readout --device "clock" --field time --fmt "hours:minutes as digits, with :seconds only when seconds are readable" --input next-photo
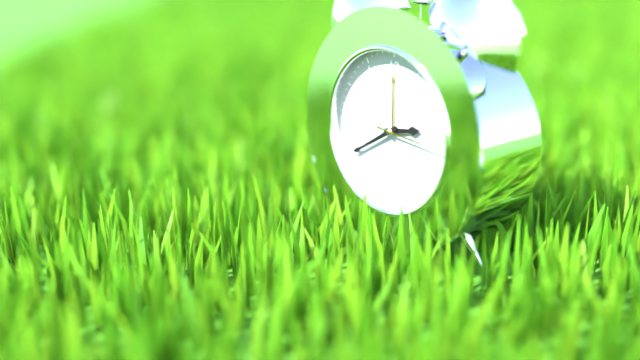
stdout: 2:40:16
